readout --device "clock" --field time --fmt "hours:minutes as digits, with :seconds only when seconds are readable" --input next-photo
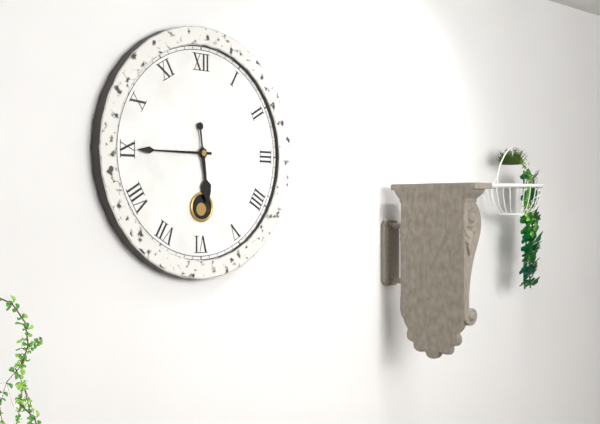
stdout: 5:45
